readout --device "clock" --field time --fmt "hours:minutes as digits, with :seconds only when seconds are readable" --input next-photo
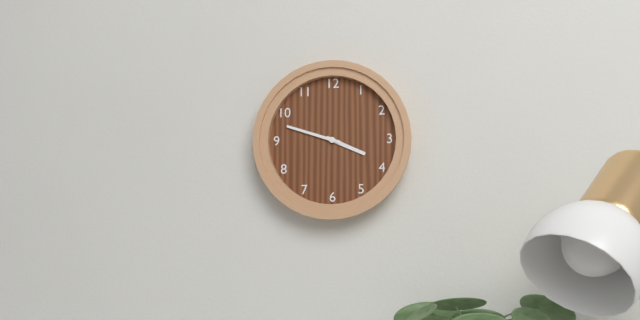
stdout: 3:48
